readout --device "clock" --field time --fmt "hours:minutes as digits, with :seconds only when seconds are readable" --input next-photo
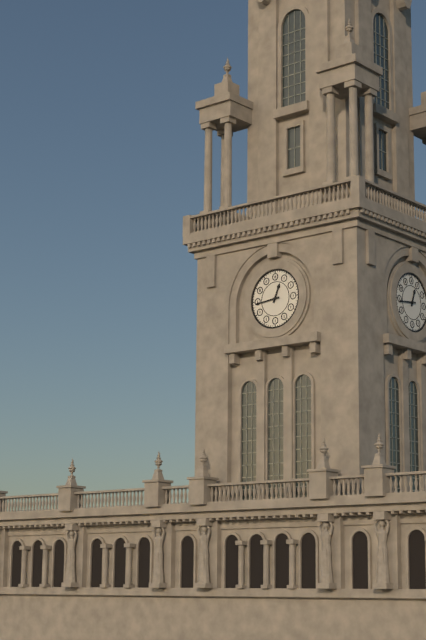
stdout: 12:44
